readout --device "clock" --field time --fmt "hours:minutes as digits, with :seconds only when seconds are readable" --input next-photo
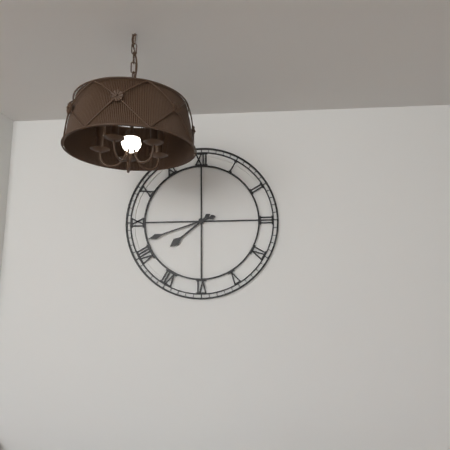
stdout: 7:42
